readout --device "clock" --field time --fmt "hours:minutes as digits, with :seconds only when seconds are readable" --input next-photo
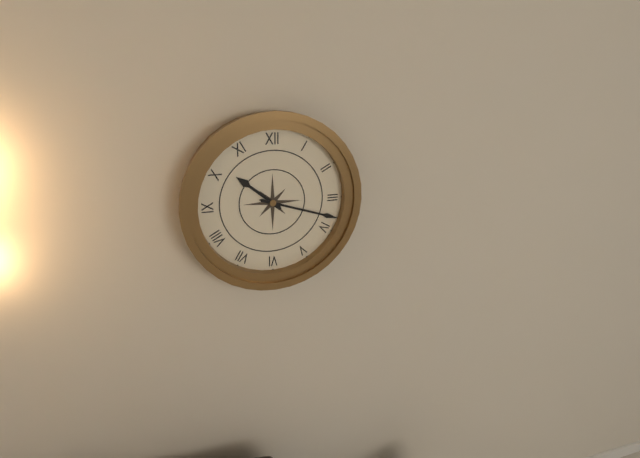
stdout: 10:18
